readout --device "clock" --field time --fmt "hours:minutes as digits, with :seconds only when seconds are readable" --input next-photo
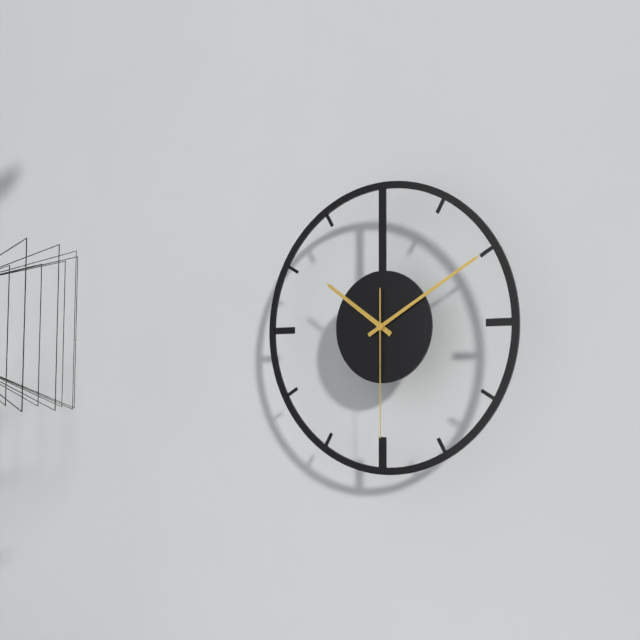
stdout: 10:10:30
